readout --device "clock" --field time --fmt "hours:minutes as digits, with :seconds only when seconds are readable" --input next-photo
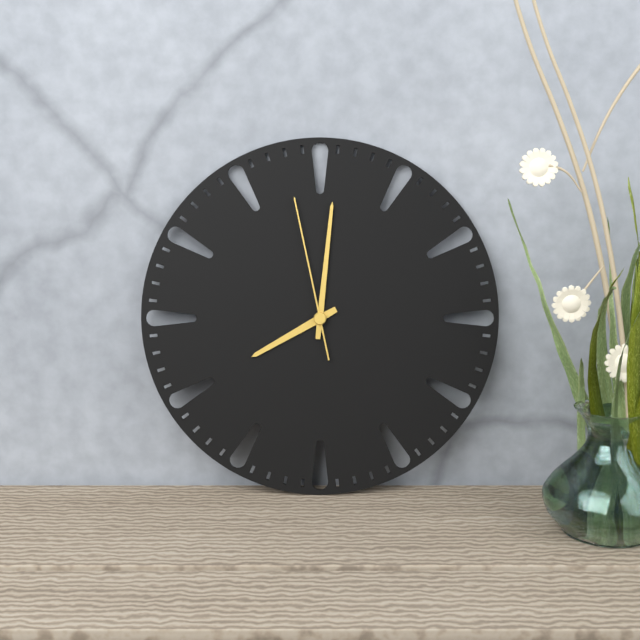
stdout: 8:01:58
